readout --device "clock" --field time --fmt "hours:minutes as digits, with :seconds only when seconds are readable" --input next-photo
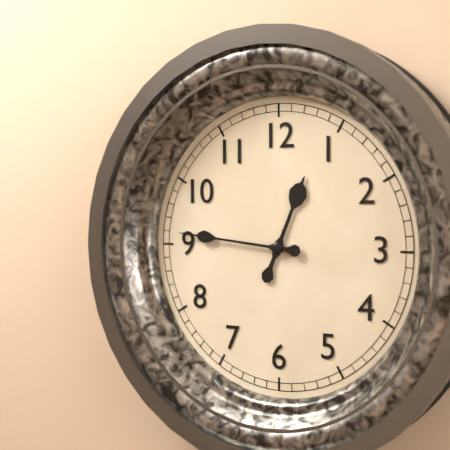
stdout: 12:46
